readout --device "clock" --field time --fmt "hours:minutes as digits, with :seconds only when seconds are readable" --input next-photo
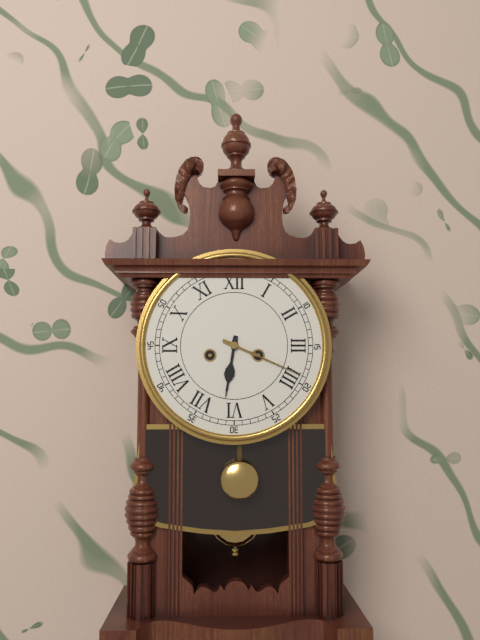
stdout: 6:19
